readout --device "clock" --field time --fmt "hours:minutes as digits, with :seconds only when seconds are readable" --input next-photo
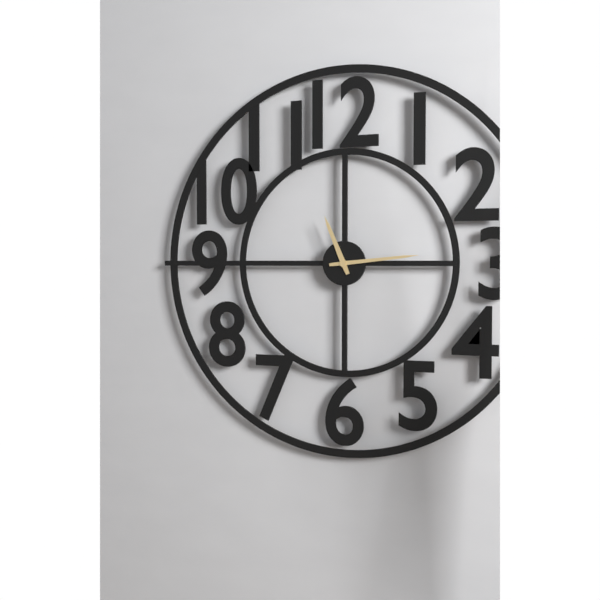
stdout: 11:14
